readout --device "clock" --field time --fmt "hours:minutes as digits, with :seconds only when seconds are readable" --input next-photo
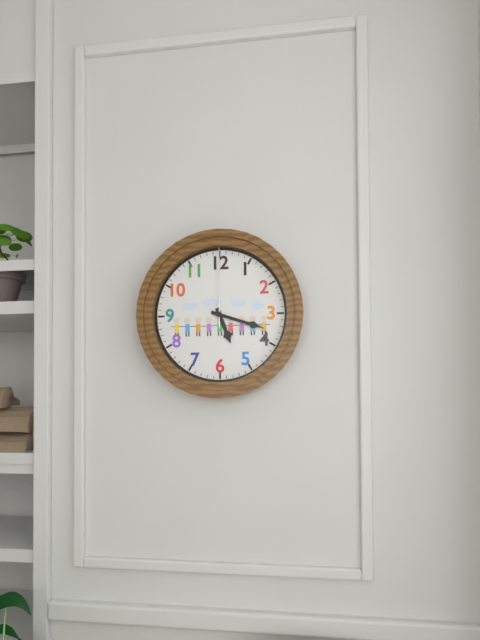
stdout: 5:18:00
